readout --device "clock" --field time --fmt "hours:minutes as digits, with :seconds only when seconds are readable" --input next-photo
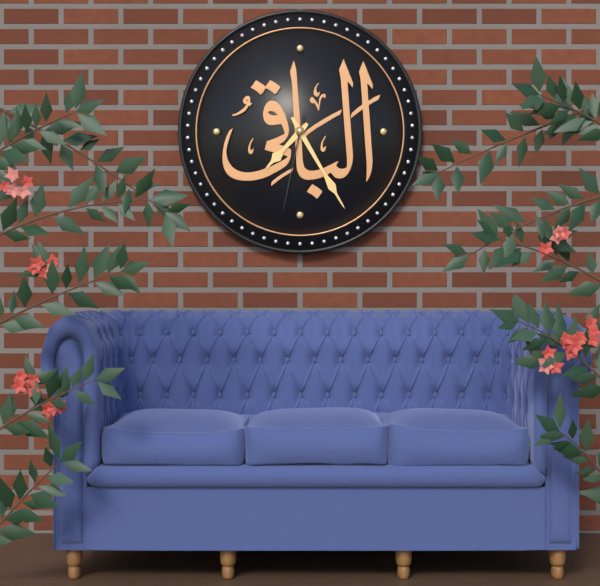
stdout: 7:25:32
